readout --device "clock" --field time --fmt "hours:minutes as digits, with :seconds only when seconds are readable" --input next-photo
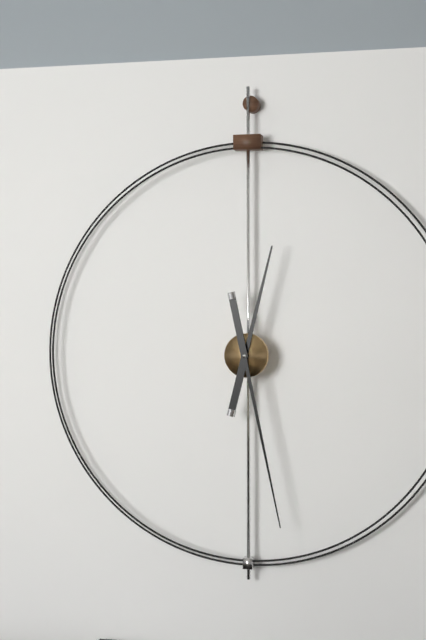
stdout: 12:28
